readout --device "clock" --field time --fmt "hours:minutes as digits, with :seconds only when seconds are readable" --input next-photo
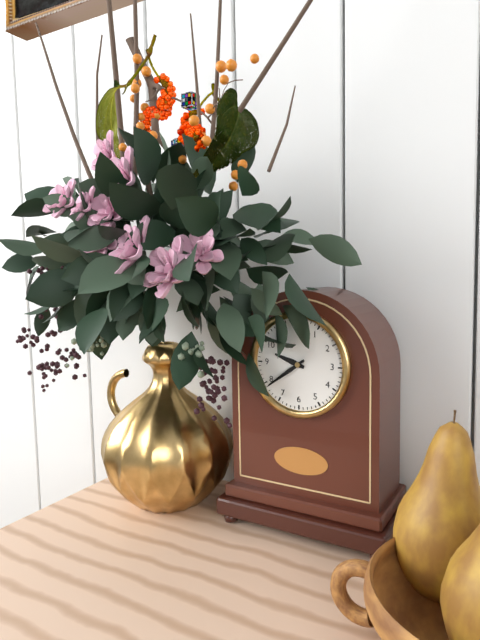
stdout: 9:39
